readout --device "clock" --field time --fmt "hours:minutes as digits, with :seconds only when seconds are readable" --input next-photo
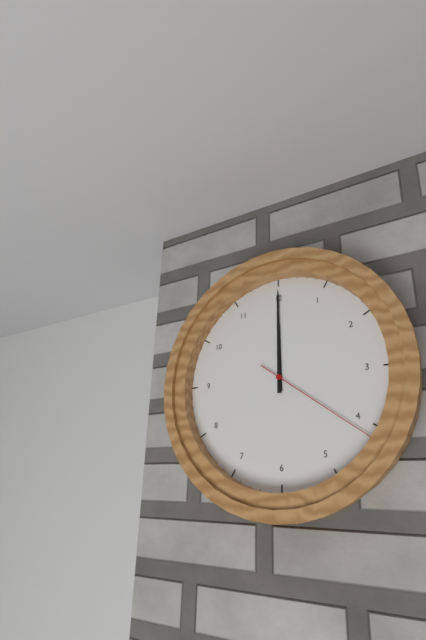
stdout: 12:00:21
